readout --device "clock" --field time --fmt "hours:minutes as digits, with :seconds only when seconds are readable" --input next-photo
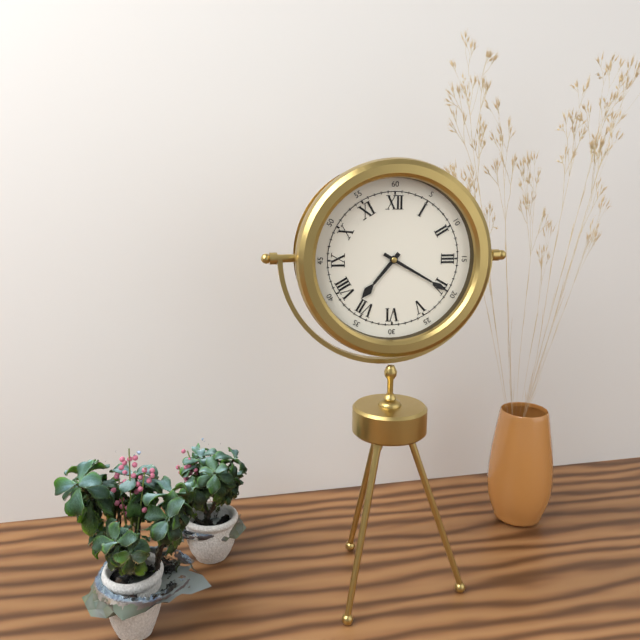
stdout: 7:20
